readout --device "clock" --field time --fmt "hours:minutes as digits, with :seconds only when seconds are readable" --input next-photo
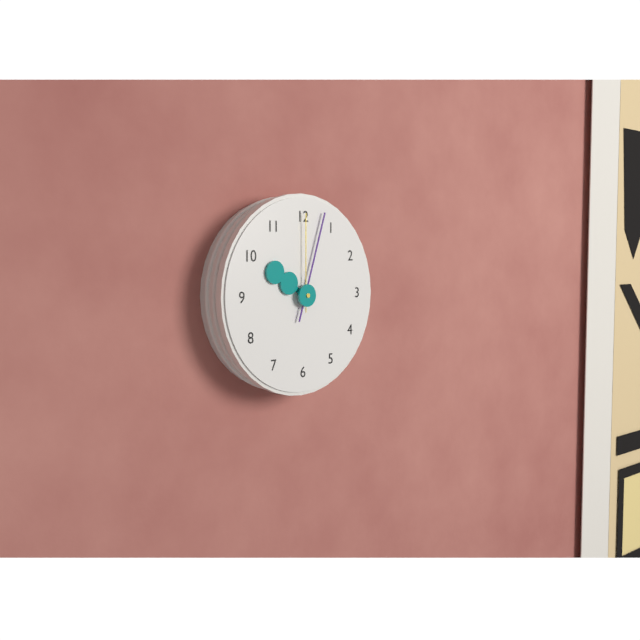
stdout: 10:03:00
